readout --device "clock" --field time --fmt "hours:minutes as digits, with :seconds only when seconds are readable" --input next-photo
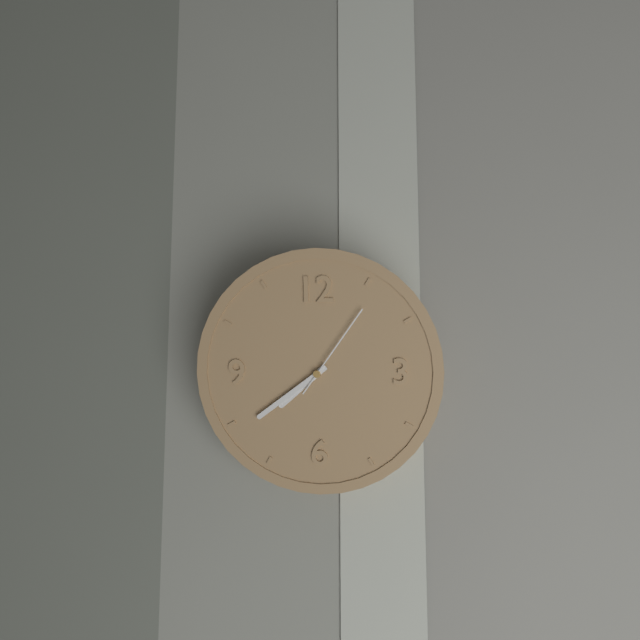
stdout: 7:39:06
